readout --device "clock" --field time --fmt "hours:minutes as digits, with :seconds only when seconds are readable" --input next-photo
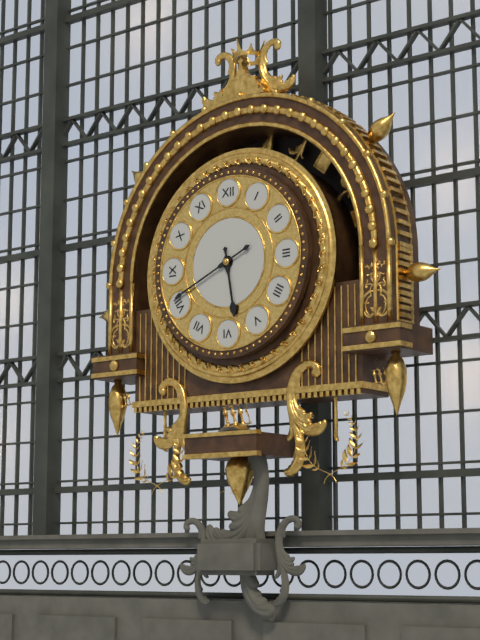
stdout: 5:41
